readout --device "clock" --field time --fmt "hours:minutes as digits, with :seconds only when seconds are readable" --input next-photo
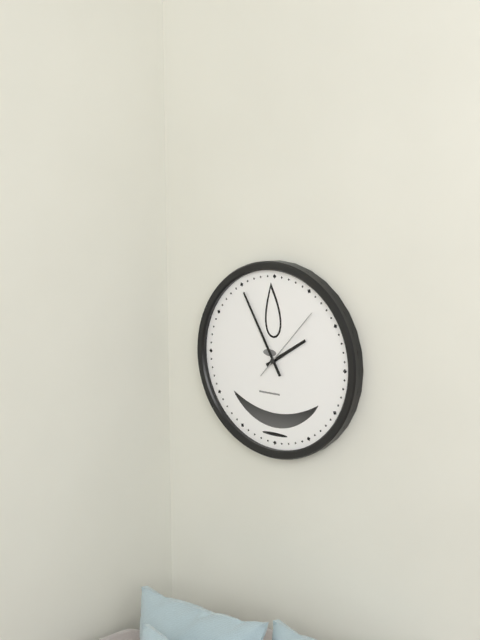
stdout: 1:55:07
